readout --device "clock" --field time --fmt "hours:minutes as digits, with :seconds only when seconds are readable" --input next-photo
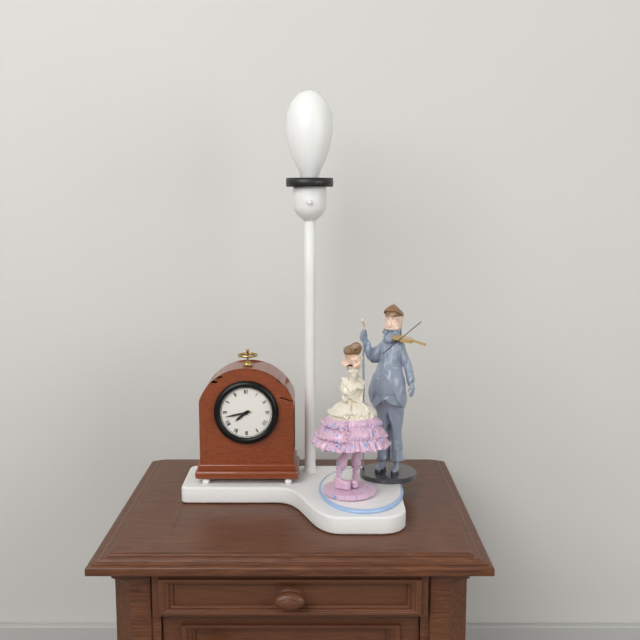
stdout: 7:43
